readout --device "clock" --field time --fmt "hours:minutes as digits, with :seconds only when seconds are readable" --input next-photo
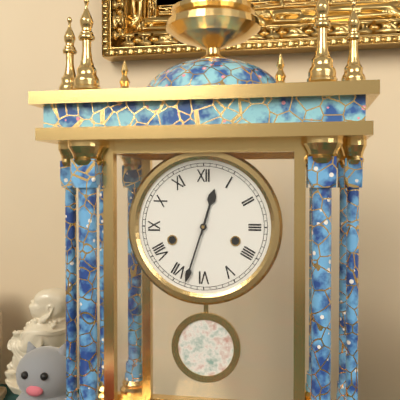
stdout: 12:33
